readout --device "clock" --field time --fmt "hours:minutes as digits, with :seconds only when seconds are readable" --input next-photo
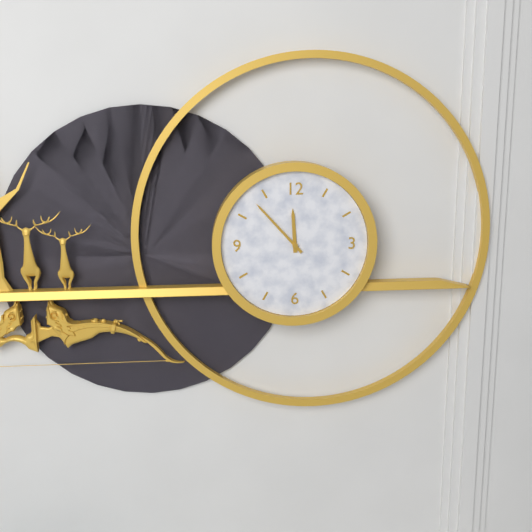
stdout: 11:53
